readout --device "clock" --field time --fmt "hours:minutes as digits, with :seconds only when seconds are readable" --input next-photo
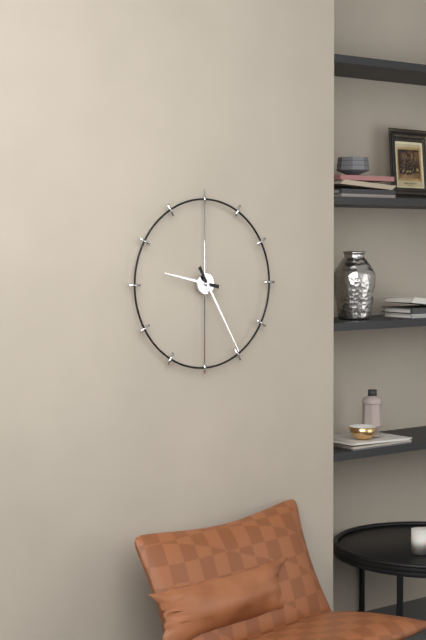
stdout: 9:25
